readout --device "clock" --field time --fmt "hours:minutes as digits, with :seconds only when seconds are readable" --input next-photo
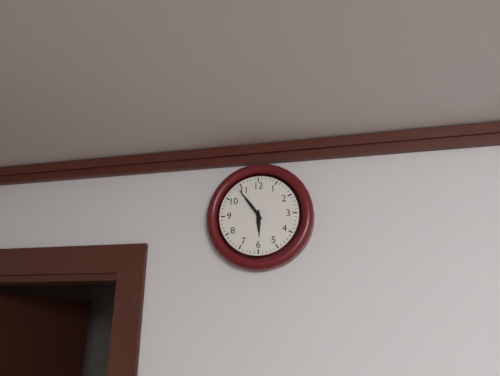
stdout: 5:54
